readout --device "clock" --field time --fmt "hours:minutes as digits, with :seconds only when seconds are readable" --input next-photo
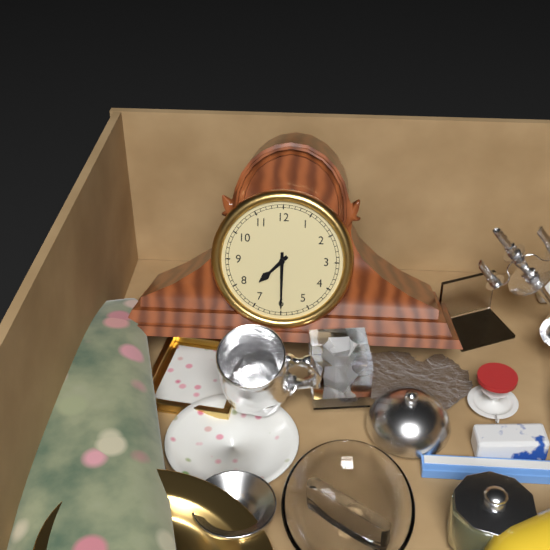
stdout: 7:30
